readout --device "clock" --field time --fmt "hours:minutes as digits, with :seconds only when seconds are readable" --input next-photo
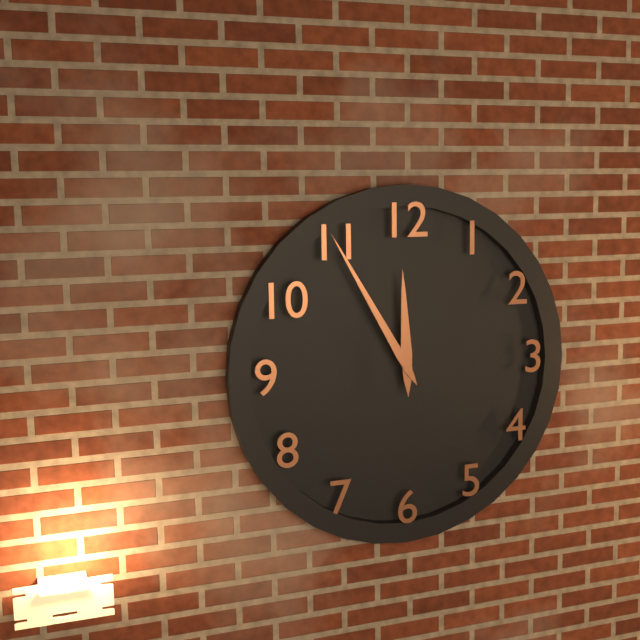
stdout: 11:55
